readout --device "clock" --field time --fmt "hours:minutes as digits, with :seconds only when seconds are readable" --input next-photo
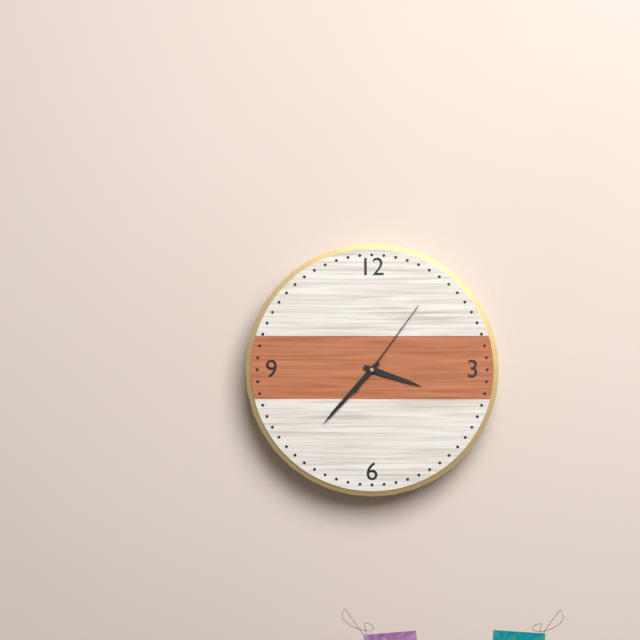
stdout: 3:37:06
